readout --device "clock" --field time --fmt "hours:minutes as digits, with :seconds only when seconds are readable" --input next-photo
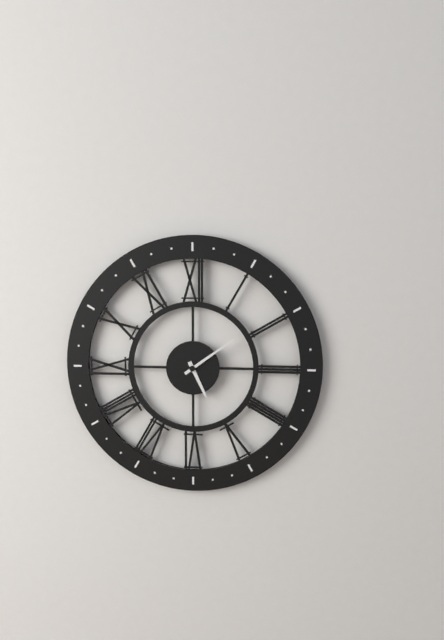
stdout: 5:09
